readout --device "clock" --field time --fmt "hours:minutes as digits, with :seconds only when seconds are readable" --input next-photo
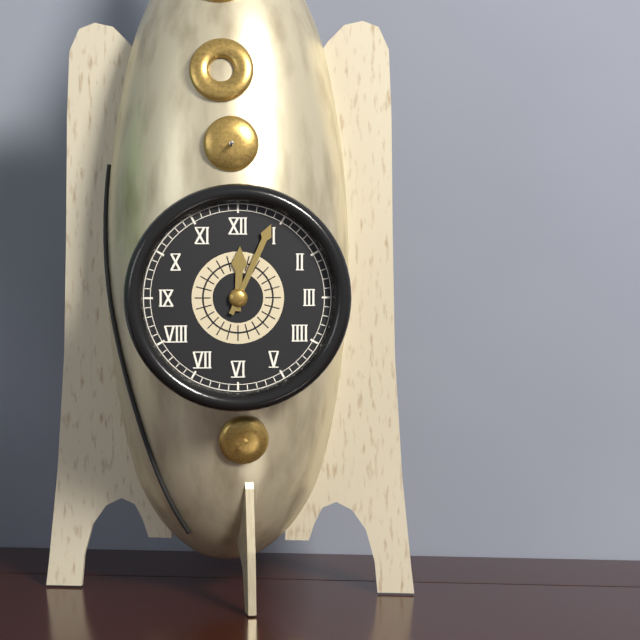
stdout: 12:04
